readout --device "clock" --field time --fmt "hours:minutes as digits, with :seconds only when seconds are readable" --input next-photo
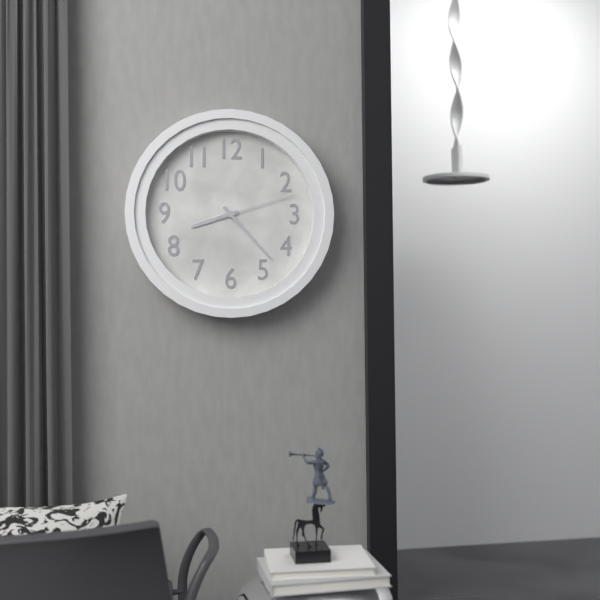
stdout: 8:23:12
